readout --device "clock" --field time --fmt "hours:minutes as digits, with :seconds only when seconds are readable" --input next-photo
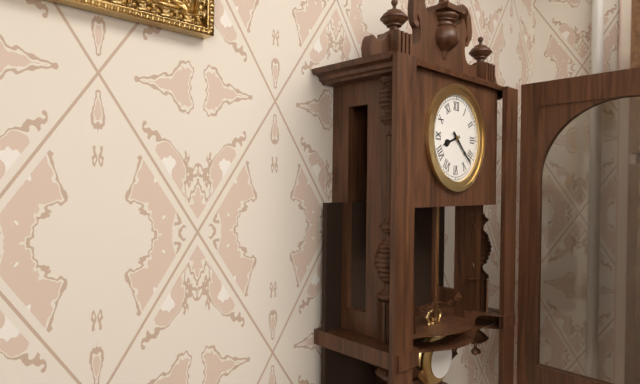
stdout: 8:22
